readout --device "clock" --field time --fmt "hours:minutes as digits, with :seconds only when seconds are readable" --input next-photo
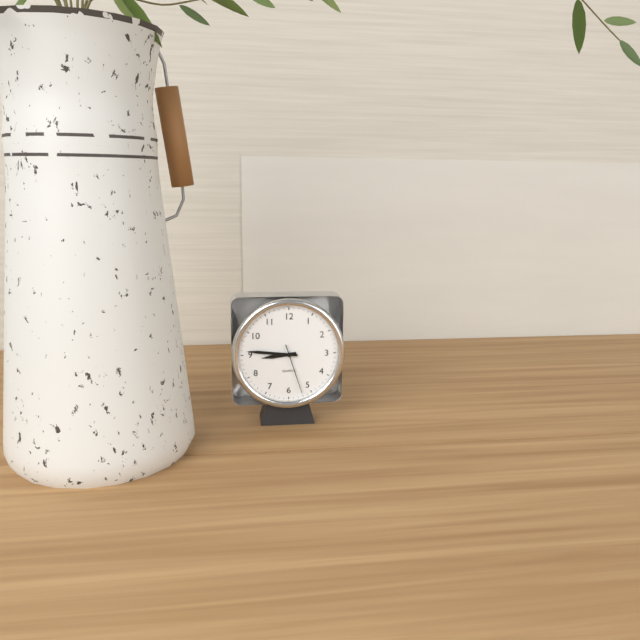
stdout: 8:46:27
